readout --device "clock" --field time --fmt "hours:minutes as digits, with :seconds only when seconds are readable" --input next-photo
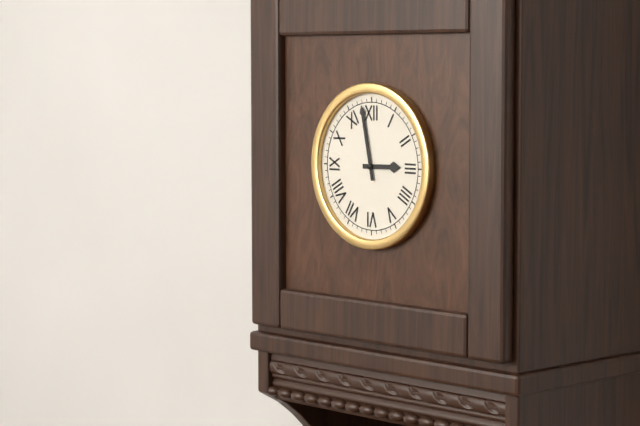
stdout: 2:58
